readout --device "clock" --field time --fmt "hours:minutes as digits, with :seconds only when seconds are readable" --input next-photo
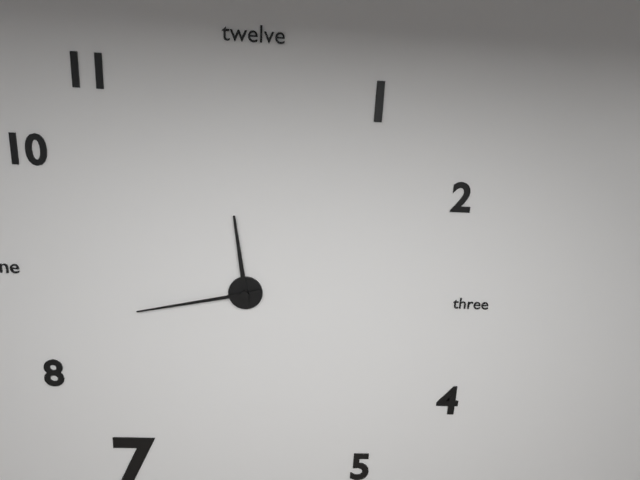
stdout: 11:43
